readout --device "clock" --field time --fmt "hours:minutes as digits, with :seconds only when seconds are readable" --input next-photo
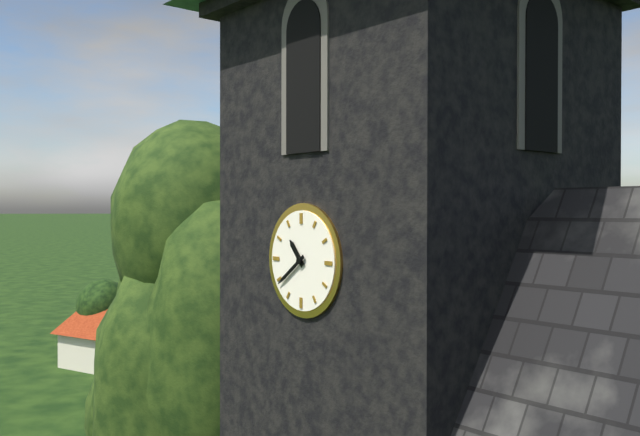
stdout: 10:39
